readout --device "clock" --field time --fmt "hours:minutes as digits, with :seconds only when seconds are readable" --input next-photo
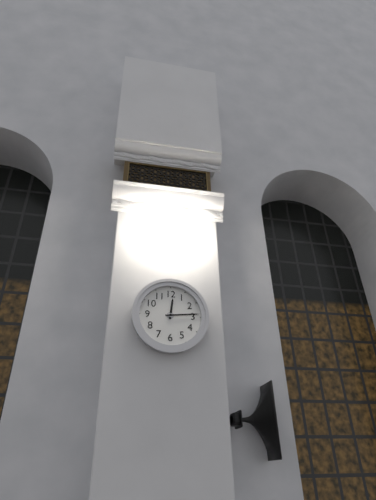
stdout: 12:14
